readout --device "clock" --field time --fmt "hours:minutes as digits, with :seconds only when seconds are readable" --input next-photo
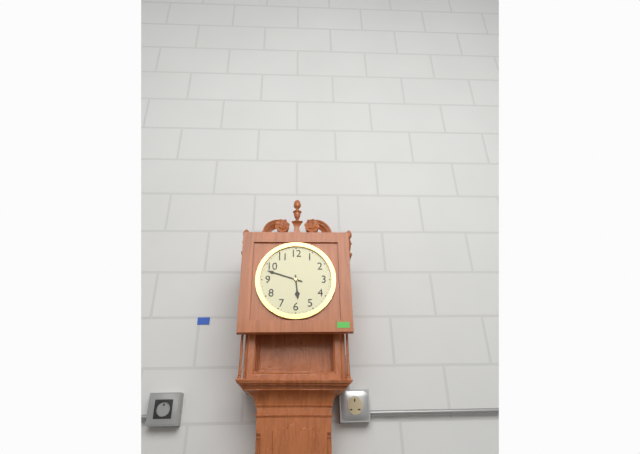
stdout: 5:48
